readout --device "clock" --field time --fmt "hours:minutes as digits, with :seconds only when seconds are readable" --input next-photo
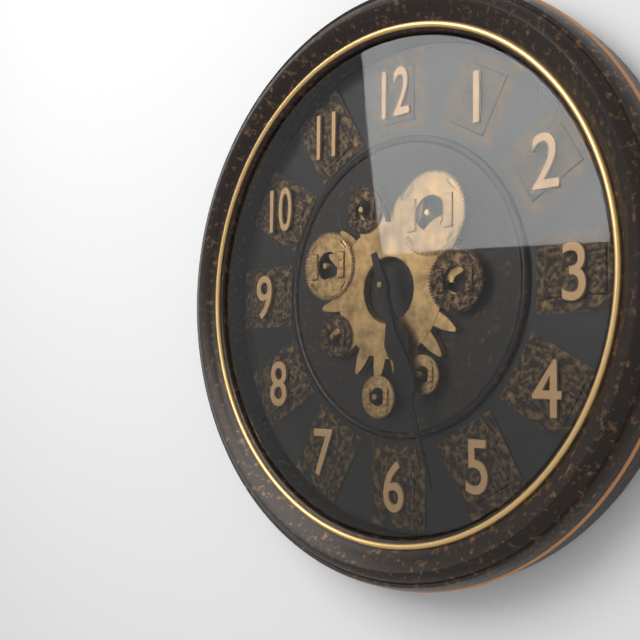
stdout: 5:27
